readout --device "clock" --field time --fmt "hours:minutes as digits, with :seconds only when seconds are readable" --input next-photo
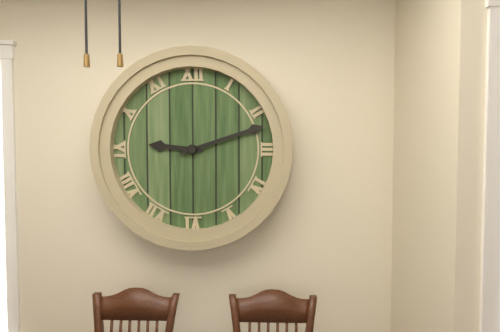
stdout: 9:12
